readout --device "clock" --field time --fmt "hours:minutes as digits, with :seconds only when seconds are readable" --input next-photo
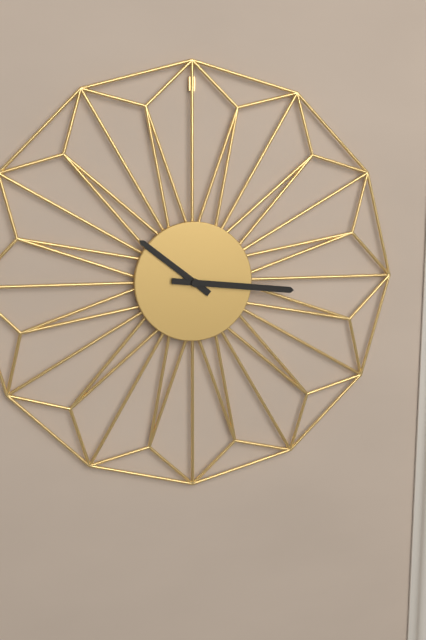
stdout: 10:16
